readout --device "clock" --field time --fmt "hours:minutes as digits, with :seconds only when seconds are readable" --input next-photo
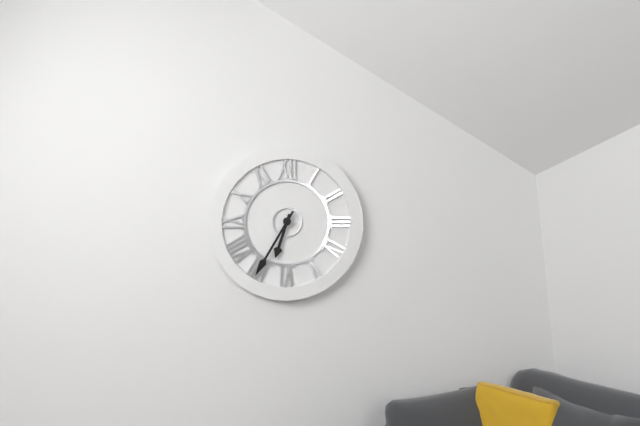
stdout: 6:35
